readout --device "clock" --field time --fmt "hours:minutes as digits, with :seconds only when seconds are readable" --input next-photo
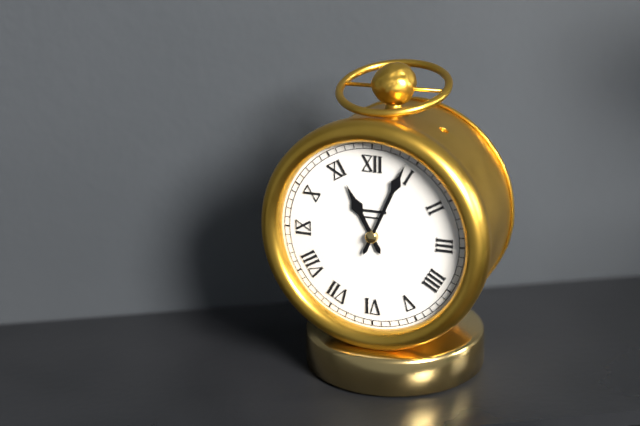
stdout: 11:04
